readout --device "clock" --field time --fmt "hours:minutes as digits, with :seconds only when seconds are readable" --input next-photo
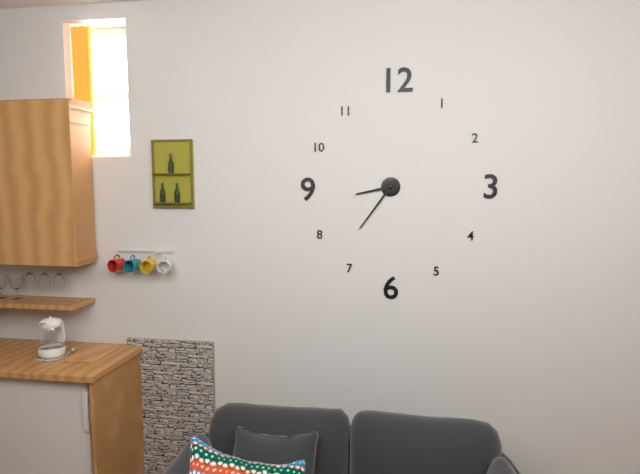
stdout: 8:36
